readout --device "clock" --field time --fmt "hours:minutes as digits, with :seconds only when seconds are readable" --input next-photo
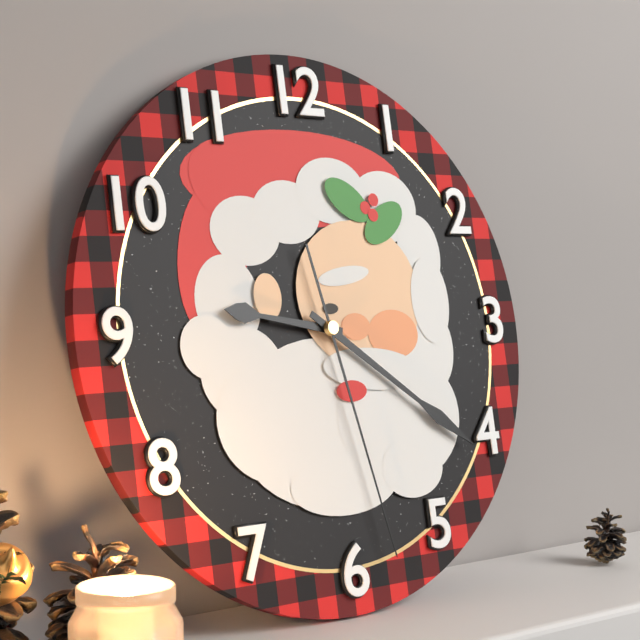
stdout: 9:21:28
